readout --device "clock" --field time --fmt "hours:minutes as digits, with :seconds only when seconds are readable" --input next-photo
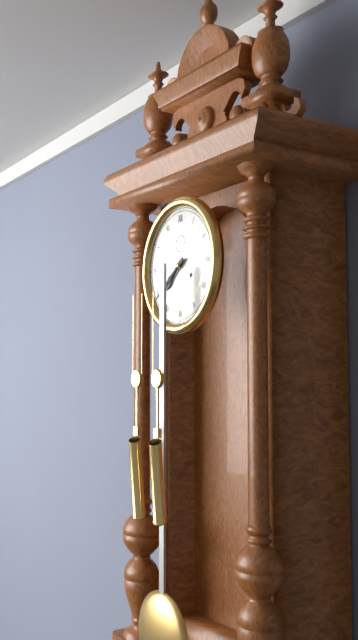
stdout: 7:39
